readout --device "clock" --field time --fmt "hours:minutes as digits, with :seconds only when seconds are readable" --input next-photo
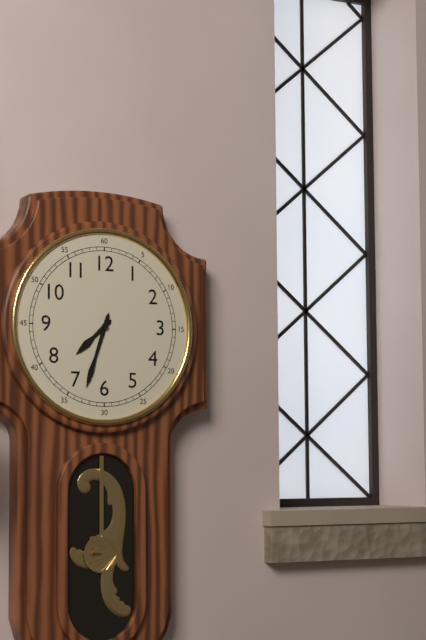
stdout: 7:33
